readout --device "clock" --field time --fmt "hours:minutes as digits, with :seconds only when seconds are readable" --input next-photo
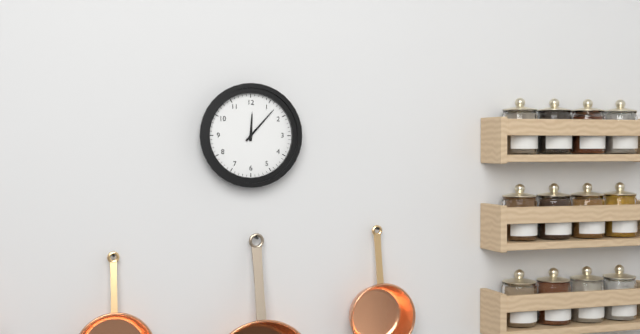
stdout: 12:07
